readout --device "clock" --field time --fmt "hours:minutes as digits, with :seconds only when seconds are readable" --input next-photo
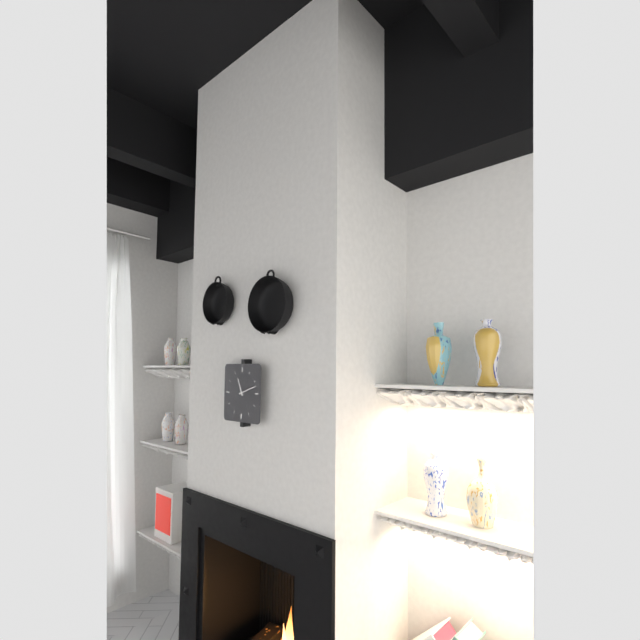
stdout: 11:12
